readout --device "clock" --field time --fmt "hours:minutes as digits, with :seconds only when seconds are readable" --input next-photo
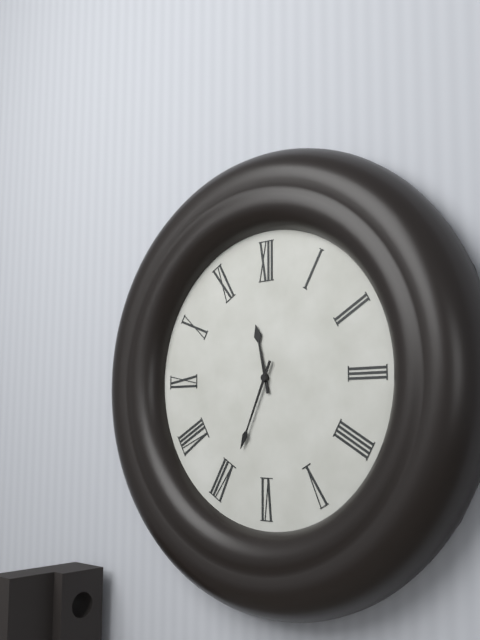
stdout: 11:34
